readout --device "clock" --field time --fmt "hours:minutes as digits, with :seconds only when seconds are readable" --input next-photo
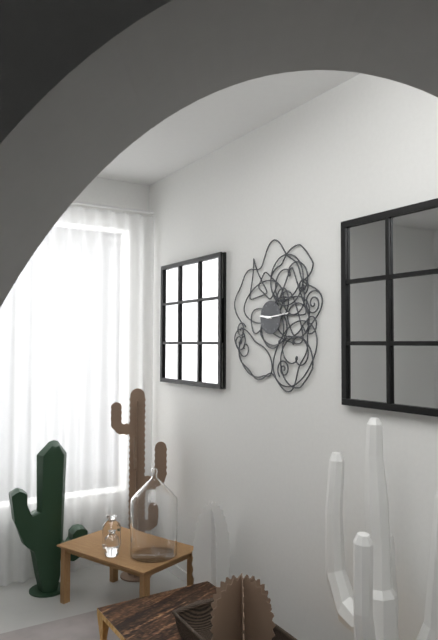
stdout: 9:14
